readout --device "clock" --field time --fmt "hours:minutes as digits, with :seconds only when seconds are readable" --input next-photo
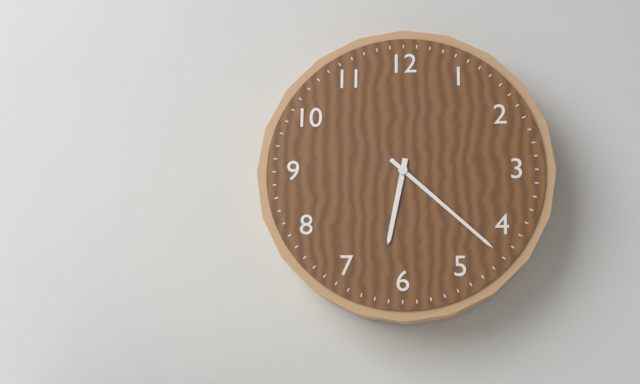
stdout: 6:22
